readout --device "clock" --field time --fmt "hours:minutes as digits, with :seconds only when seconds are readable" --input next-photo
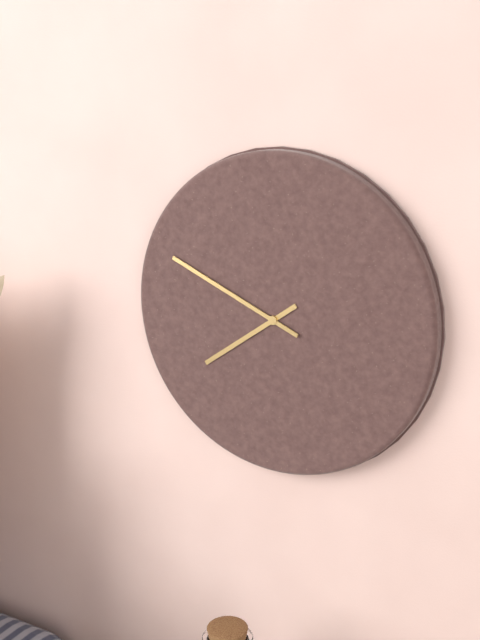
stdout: 7:49
